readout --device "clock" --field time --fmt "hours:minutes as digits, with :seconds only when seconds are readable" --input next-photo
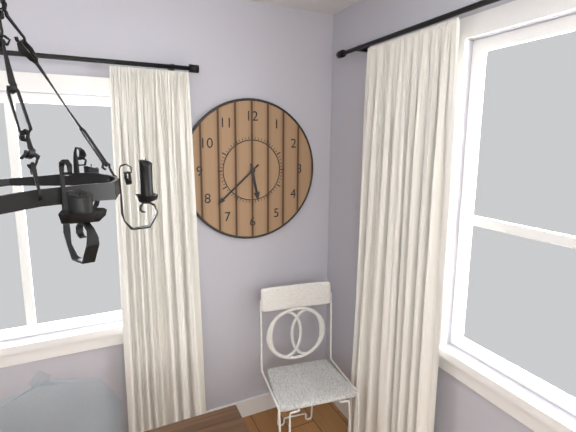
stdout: 5:38
